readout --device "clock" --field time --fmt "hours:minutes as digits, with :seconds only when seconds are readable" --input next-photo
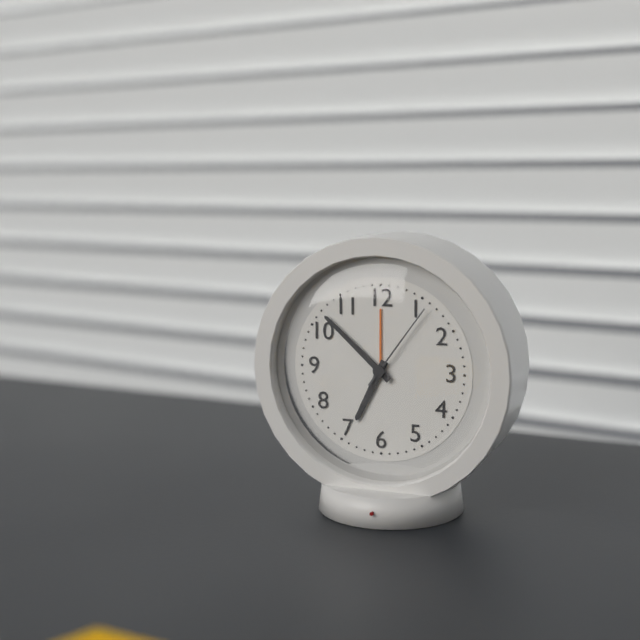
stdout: 6:52:06
